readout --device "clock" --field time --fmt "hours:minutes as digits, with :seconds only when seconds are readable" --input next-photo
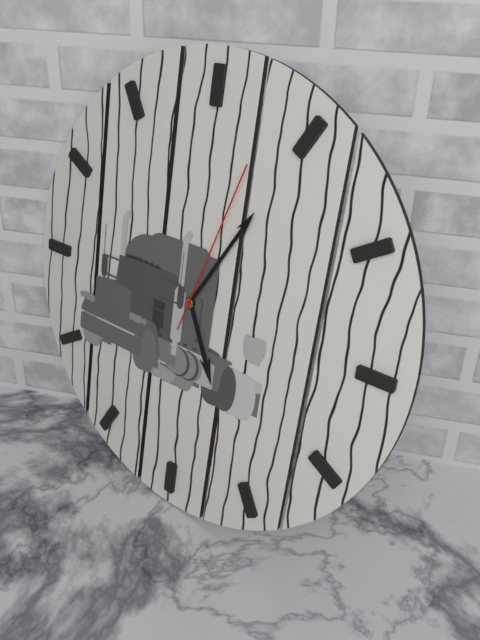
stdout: 5:05:03
